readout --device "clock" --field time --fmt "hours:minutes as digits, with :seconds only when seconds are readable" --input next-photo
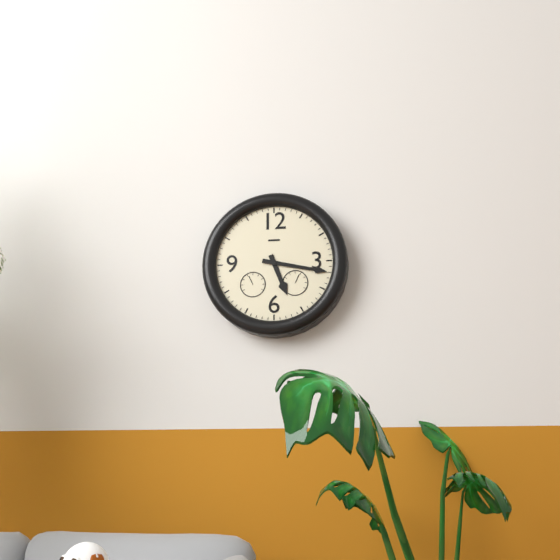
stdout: 5:17
